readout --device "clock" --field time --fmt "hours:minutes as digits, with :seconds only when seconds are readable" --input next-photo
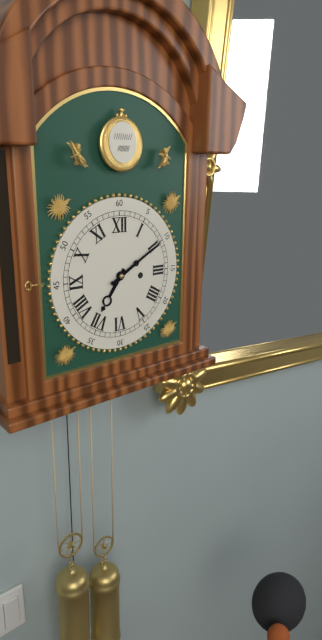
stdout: 7:10
